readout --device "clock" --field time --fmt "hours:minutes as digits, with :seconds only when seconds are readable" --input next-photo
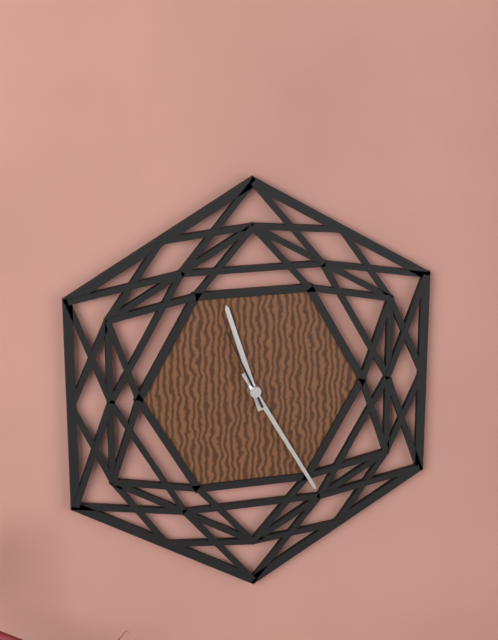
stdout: 11:25:56
